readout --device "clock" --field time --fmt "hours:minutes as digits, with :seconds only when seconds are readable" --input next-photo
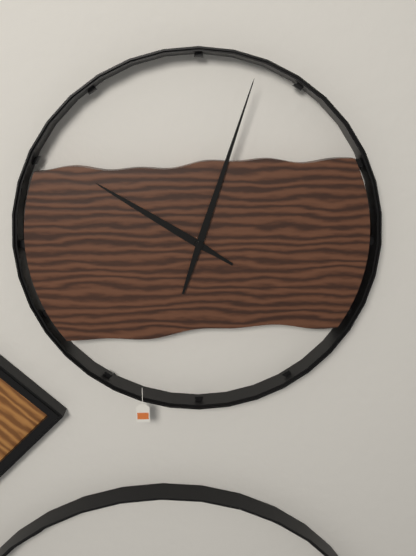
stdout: 10:03
